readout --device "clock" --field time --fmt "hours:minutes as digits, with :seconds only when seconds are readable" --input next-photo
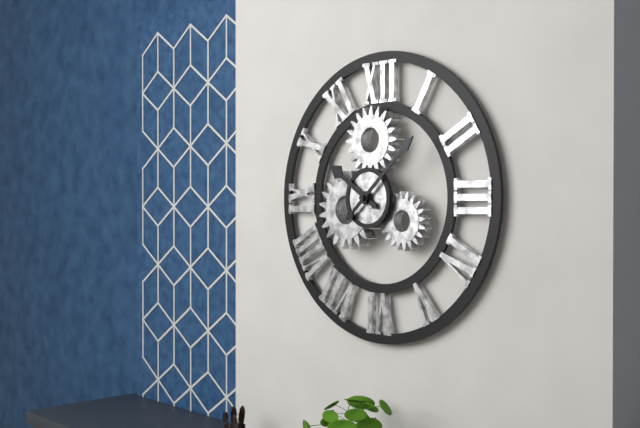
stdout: 10:08
